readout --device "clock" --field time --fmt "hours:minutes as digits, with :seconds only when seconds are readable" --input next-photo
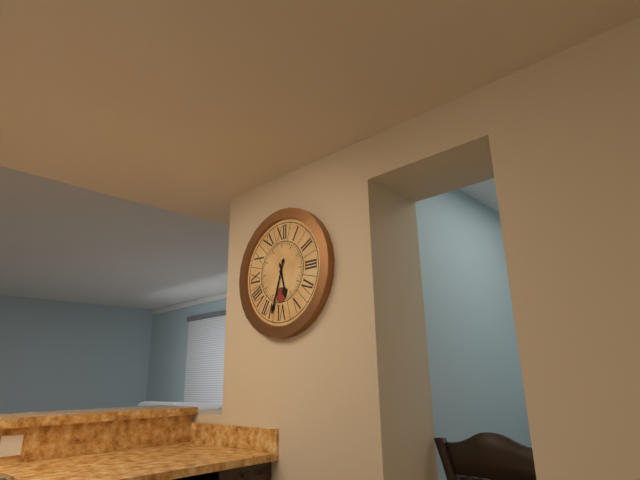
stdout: 5:33
